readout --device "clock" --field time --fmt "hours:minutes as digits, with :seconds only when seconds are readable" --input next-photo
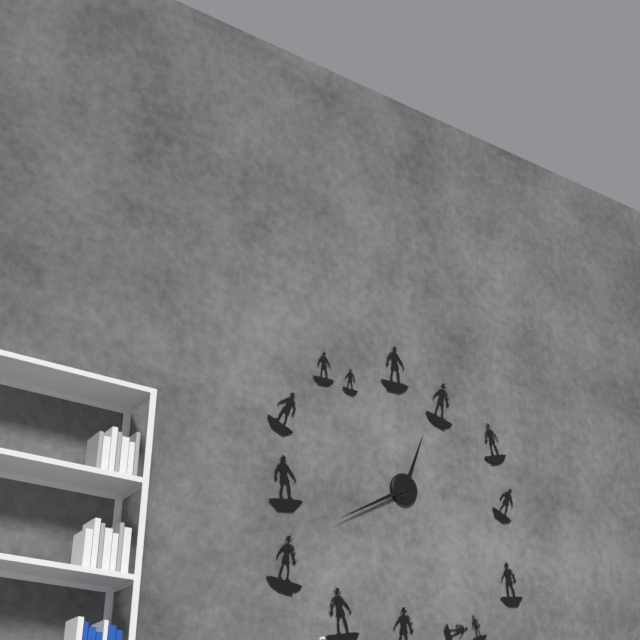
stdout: 12:40
